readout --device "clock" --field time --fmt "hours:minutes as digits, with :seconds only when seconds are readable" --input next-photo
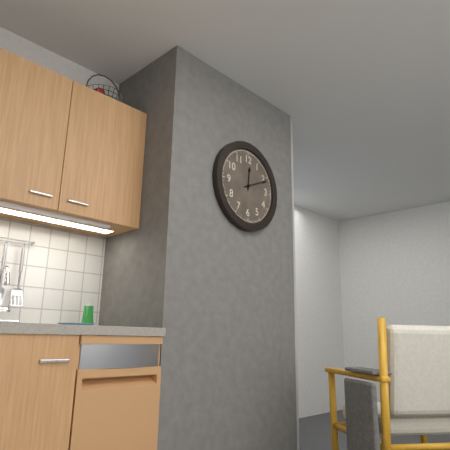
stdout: 12:11
